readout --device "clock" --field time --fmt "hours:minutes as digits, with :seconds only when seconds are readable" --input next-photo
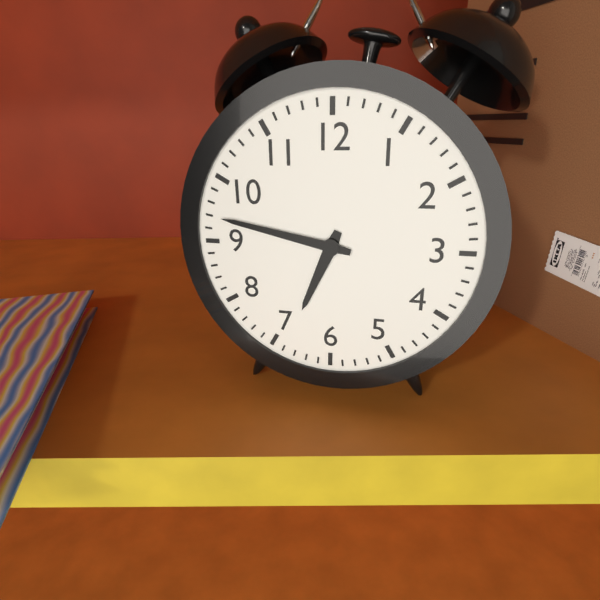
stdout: 6:47
